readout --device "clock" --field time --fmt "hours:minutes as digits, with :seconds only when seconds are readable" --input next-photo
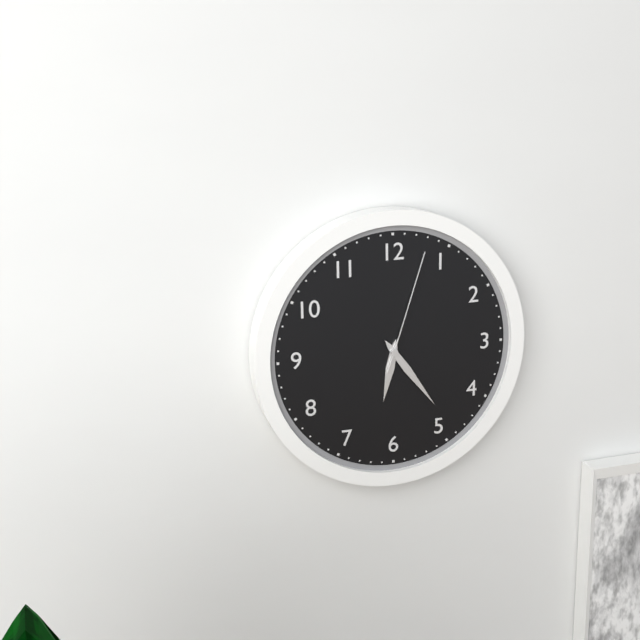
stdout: 6:24:03
